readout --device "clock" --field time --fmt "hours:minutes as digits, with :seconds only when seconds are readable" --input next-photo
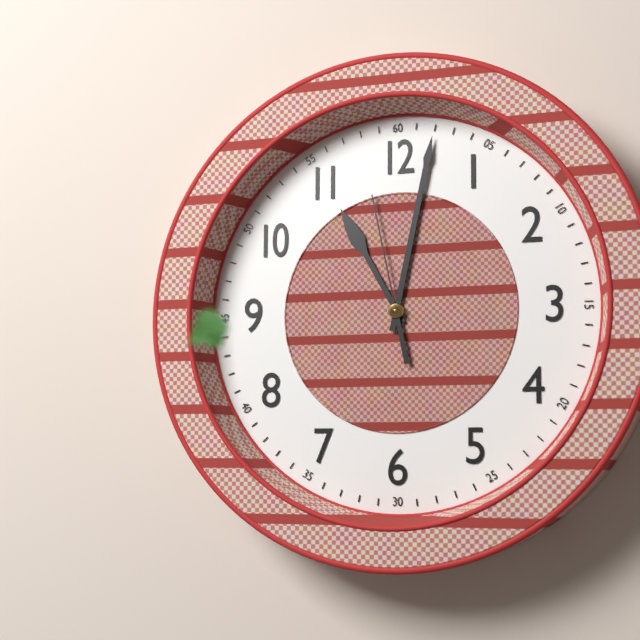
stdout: 11:02:58
